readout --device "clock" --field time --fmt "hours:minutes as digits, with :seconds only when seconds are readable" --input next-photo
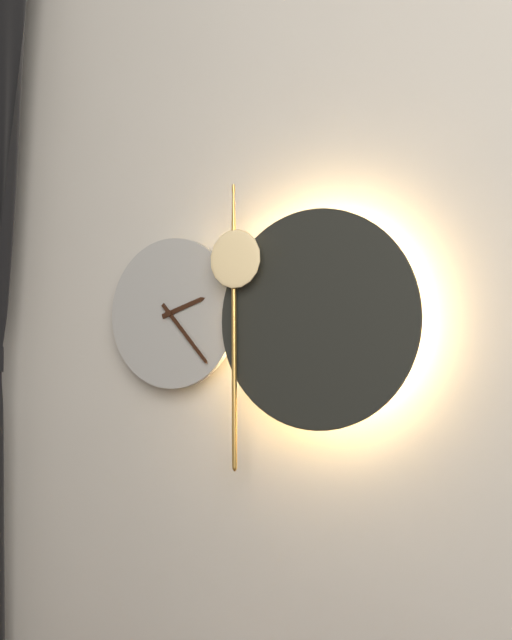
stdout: 2:23
